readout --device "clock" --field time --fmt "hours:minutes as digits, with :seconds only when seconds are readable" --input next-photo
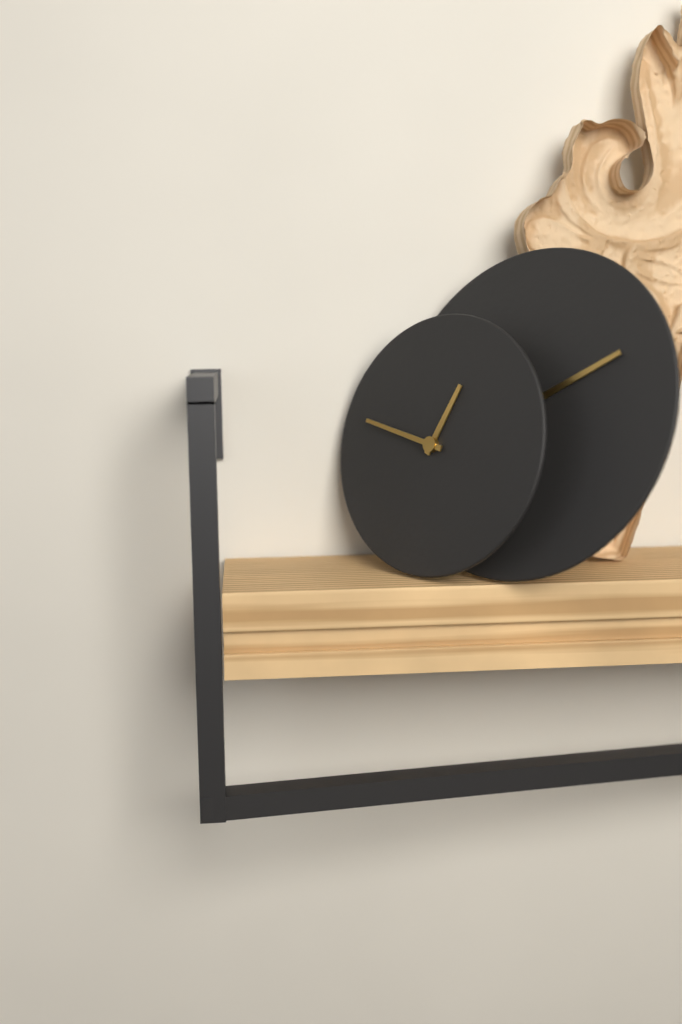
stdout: 12:47
